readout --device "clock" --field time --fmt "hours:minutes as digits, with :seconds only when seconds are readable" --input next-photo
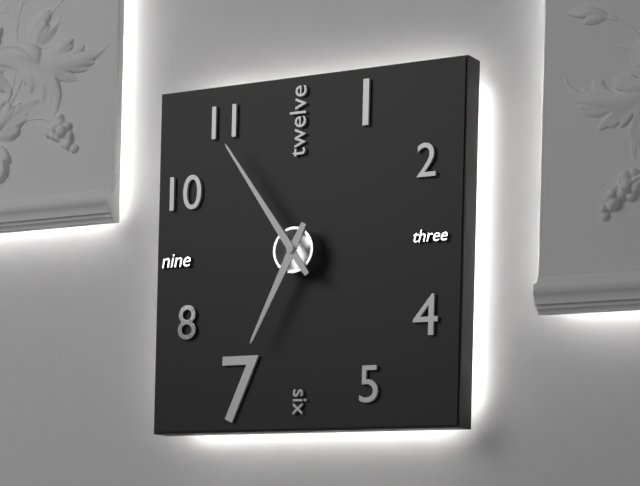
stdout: 6:54
